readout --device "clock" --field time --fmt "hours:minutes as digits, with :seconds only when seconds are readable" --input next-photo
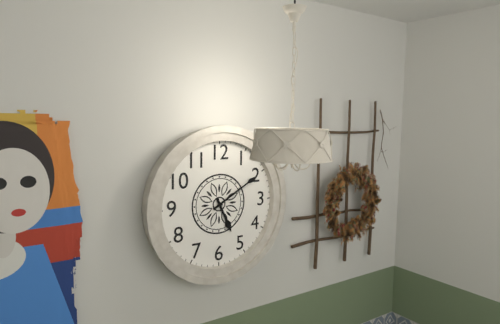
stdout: 5:10
